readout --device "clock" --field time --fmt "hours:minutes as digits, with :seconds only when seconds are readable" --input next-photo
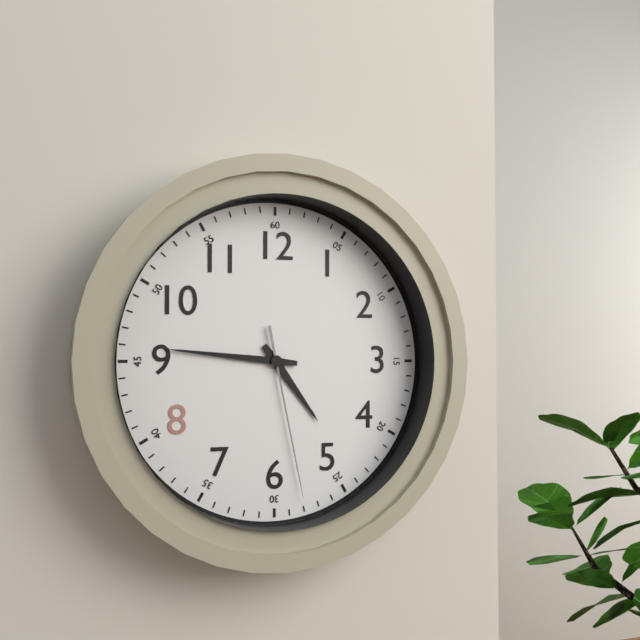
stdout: 4:46:28
